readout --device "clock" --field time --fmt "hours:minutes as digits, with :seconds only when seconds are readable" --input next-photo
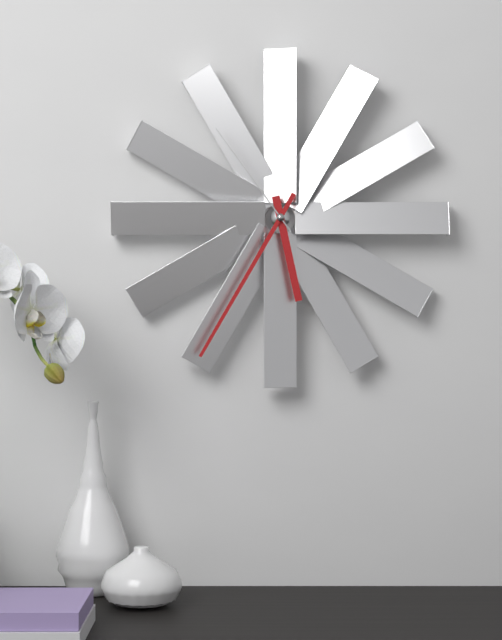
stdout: 5:35:54
